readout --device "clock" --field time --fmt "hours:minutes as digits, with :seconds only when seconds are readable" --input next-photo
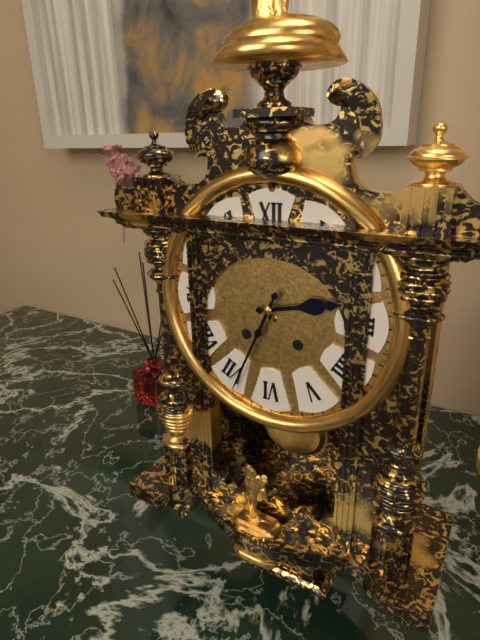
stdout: 2:34
